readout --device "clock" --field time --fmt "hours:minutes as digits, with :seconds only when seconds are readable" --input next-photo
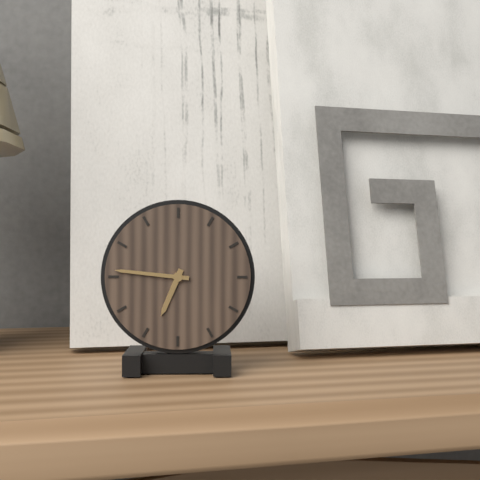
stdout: 6:46
